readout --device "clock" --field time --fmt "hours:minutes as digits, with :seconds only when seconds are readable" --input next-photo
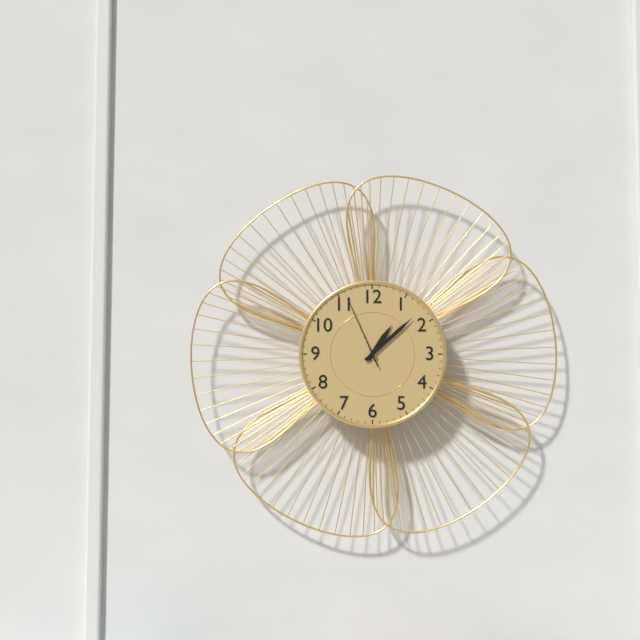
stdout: 1:08:56
